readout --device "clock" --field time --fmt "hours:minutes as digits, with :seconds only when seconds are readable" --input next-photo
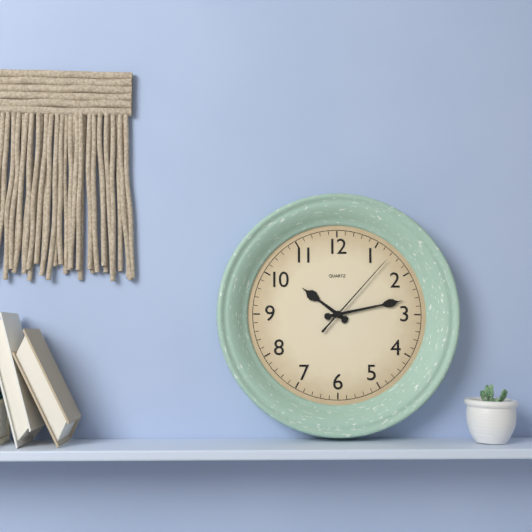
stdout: 10:13:07
